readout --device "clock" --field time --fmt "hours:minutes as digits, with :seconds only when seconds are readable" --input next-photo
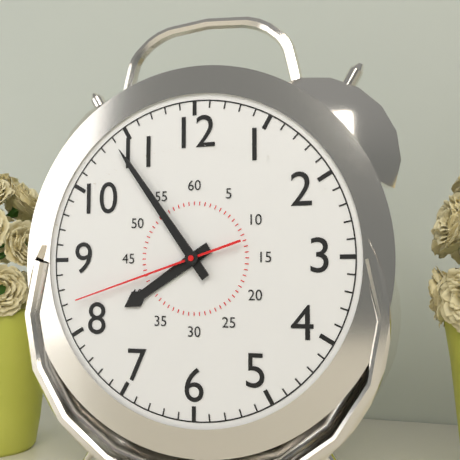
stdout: 7:54:42
